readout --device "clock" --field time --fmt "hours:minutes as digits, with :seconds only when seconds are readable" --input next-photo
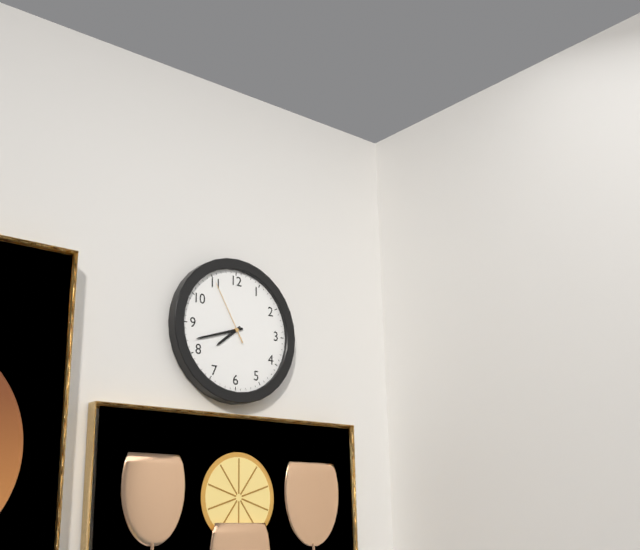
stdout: 7:42:55
